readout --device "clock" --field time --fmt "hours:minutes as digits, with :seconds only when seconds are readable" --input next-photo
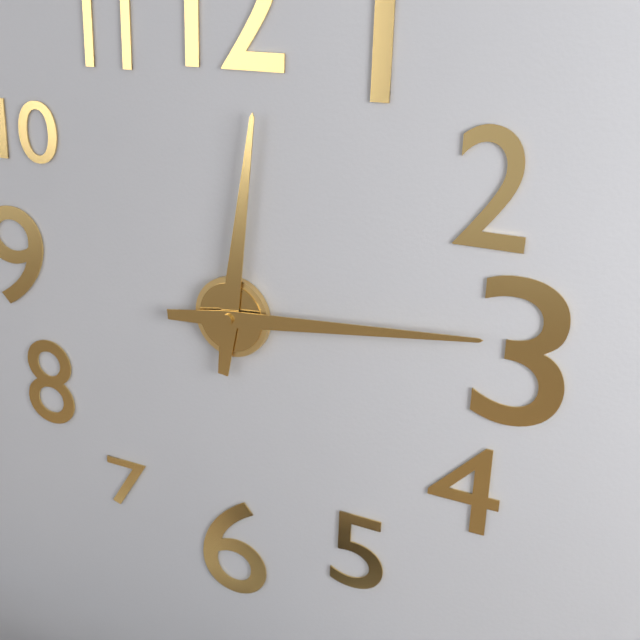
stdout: 12:14
